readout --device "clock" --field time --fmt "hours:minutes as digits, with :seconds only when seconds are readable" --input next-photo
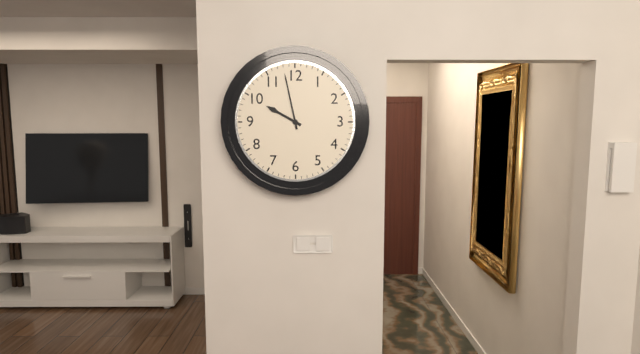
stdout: 9:58
